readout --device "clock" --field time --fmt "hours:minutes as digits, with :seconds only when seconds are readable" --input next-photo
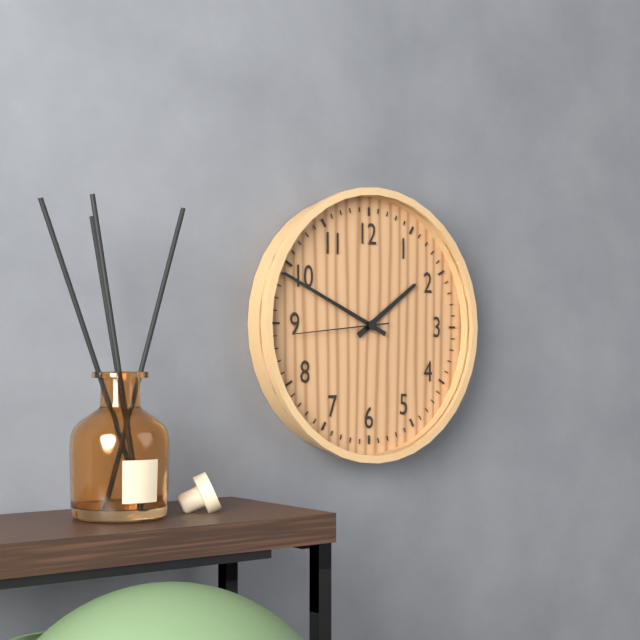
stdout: 1:49:44
